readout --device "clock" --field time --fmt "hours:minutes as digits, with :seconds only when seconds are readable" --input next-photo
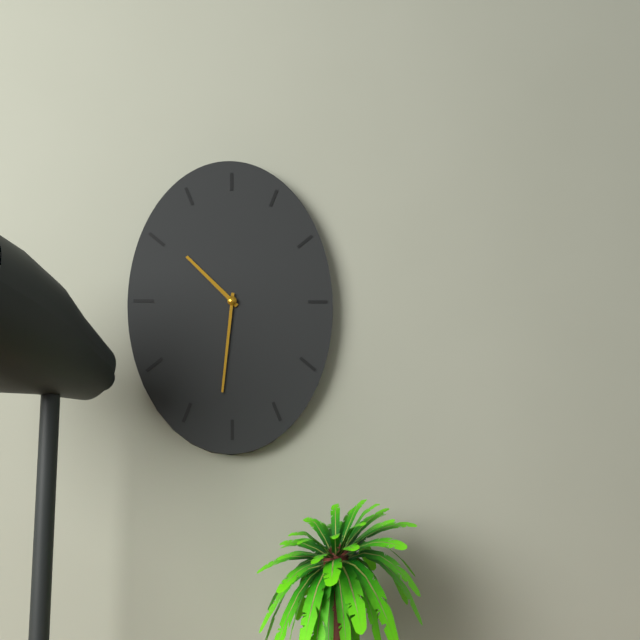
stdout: 10:31
